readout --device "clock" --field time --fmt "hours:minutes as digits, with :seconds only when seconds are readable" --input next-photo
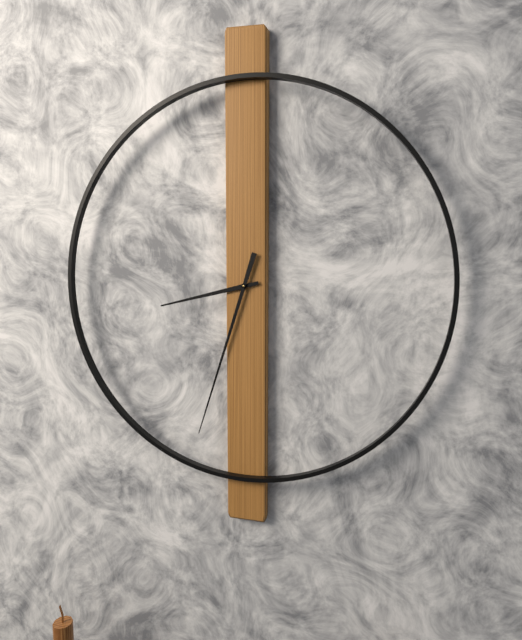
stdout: 8:33
